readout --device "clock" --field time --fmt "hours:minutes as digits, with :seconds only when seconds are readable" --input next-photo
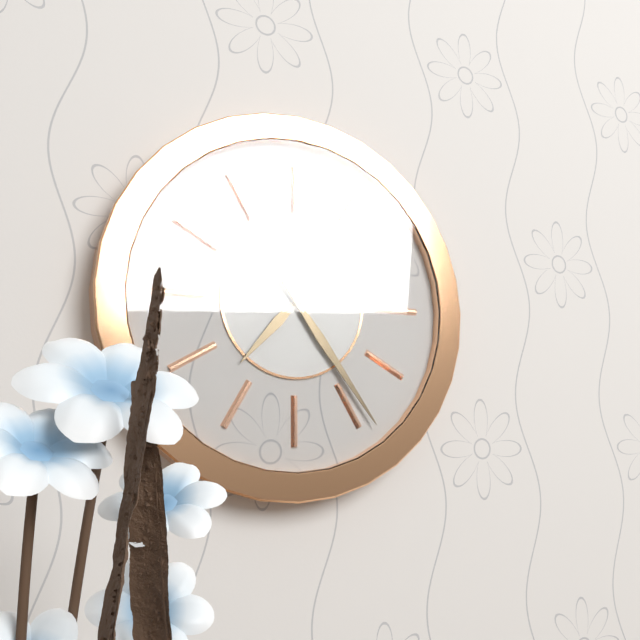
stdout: 7:24
